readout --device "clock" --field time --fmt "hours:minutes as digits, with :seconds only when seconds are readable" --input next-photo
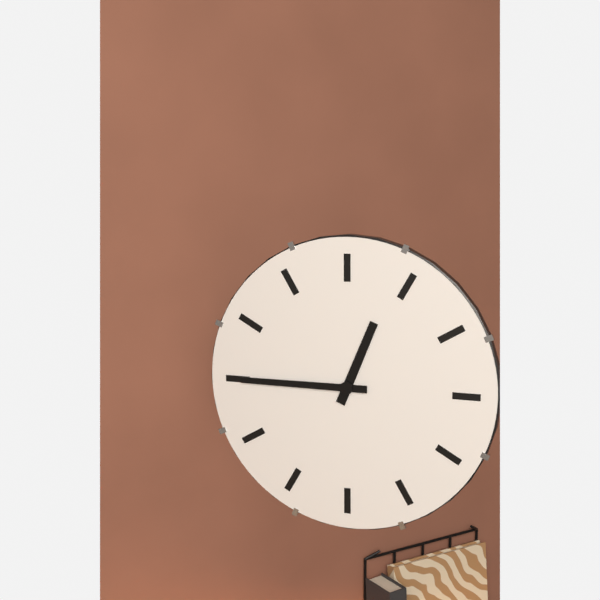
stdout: 12:45
